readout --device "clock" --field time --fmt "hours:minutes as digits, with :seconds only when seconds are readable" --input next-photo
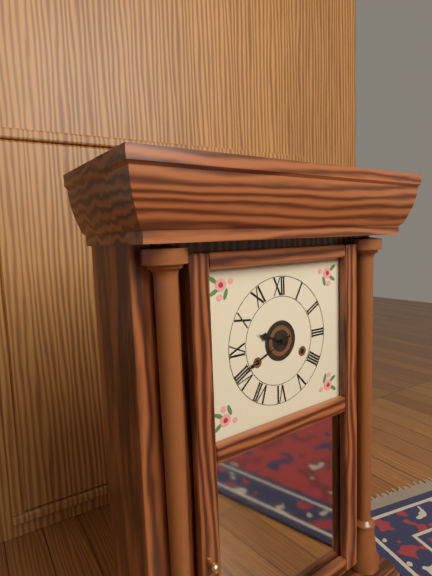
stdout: 9:41
